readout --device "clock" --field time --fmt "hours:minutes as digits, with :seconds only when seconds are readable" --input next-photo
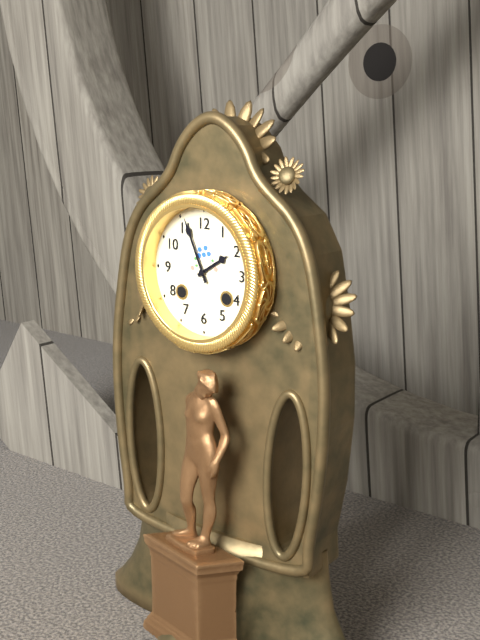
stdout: 1:56
